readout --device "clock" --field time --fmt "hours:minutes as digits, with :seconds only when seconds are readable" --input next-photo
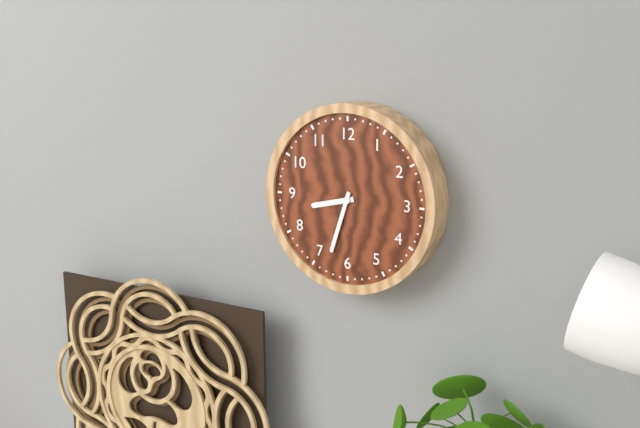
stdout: 8:33
